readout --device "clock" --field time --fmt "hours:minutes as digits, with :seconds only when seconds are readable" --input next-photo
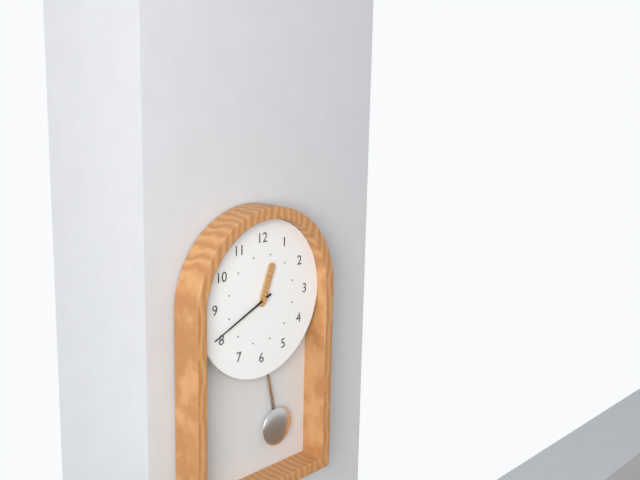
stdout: 12:41
